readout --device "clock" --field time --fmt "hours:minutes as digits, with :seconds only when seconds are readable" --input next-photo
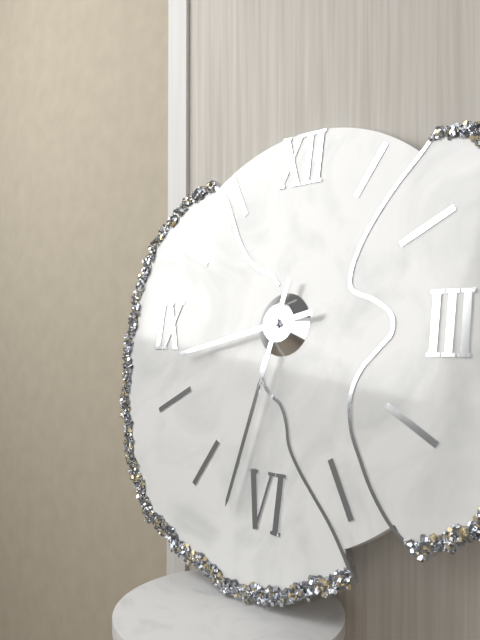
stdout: 8:32
